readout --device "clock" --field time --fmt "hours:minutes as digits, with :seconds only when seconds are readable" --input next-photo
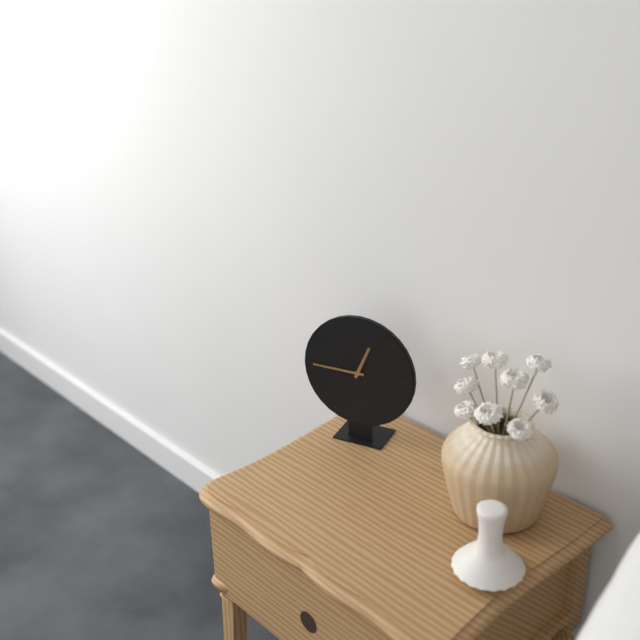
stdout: 12:45
